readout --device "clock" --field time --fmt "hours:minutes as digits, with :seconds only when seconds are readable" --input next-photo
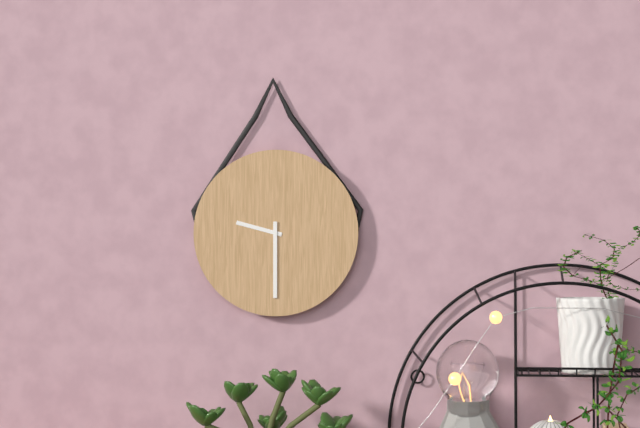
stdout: 9:30
